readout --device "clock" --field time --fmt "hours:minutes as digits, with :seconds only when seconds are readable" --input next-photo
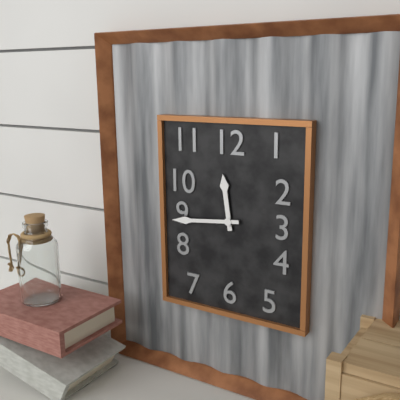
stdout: 11:44
